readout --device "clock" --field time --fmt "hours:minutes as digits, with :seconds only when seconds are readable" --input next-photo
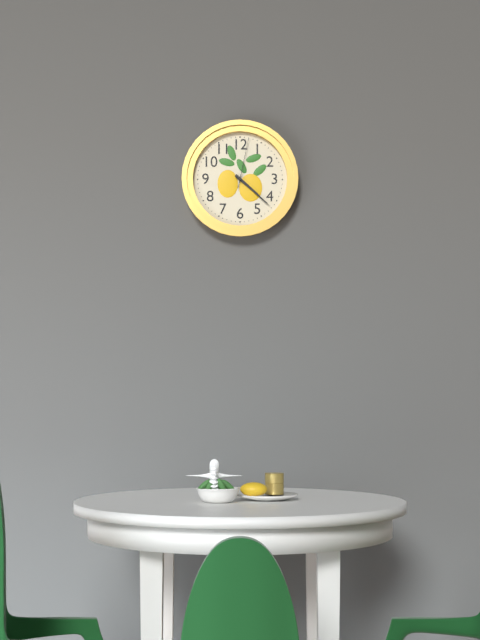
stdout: 4:22:02
